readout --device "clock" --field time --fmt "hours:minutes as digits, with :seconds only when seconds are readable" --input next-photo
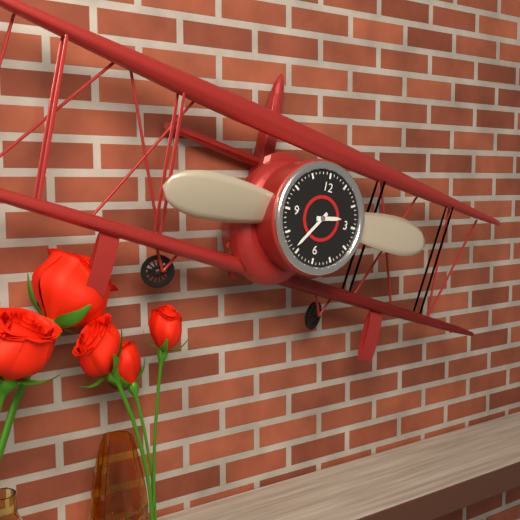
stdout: 2:36
